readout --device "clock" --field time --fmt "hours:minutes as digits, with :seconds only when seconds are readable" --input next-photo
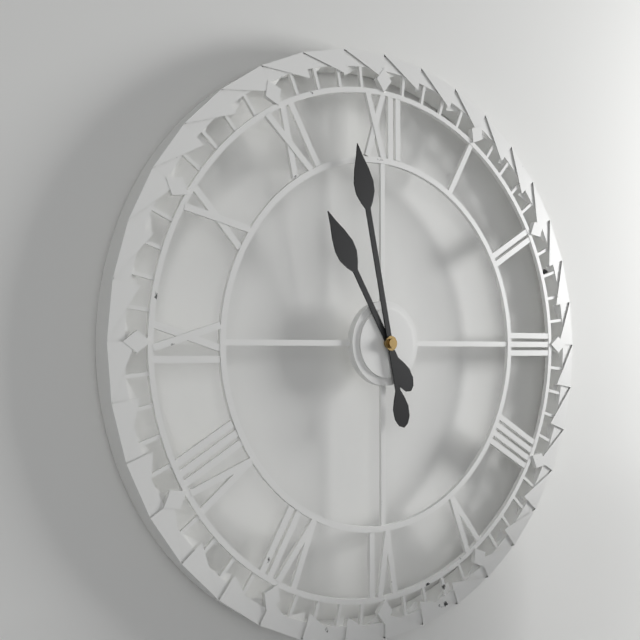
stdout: 10:58
